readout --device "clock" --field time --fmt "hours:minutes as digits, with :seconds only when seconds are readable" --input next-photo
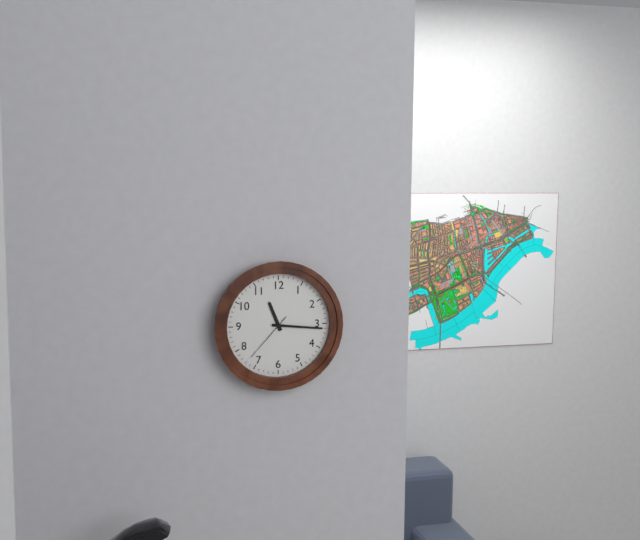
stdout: 11:16:37
